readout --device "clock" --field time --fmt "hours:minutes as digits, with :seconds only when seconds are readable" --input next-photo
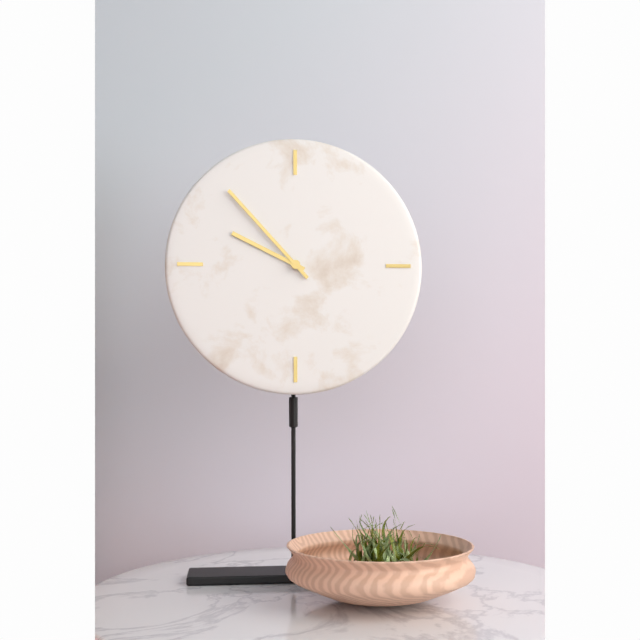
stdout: 9:53
